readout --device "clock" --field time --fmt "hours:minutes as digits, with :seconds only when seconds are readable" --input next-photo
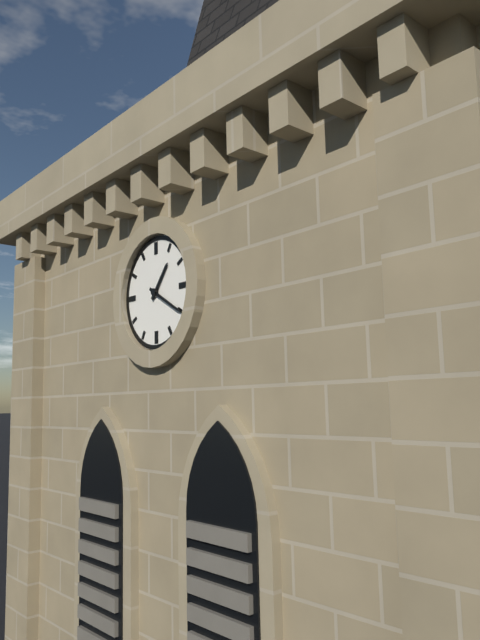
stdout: 1:20
